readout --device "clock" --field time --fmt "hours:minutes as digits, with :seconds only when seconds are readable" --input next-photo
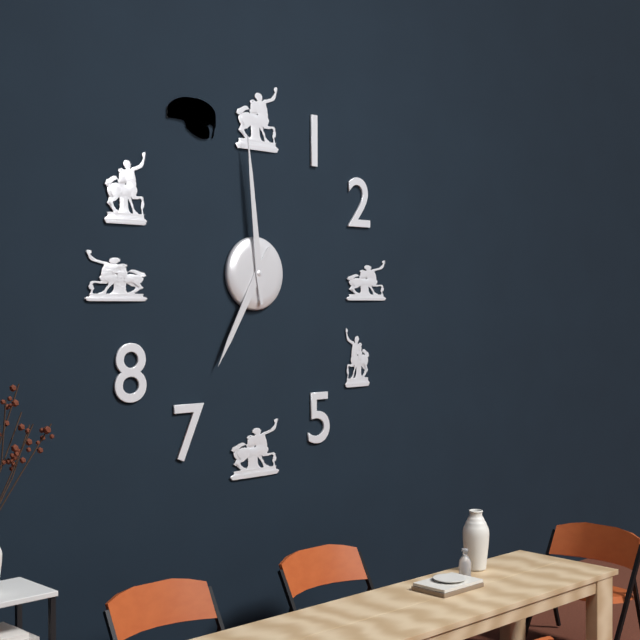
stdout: 6:59
